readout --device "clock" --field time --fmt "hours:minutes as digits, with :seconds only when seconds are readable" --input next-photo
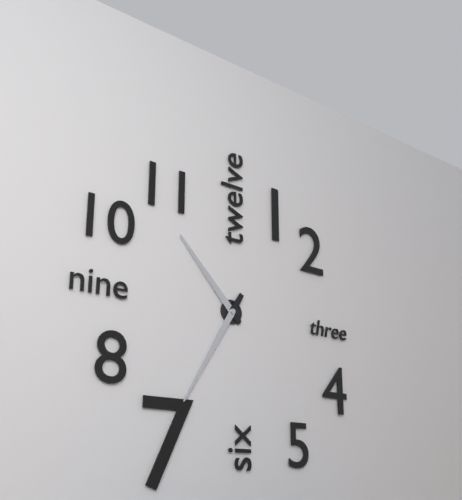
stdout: 10:35
